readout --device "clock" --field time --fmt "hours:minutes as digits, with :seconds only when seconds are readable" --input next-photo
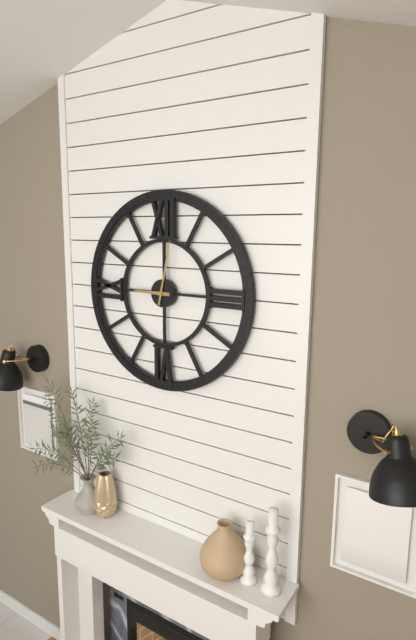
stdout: 9:02
